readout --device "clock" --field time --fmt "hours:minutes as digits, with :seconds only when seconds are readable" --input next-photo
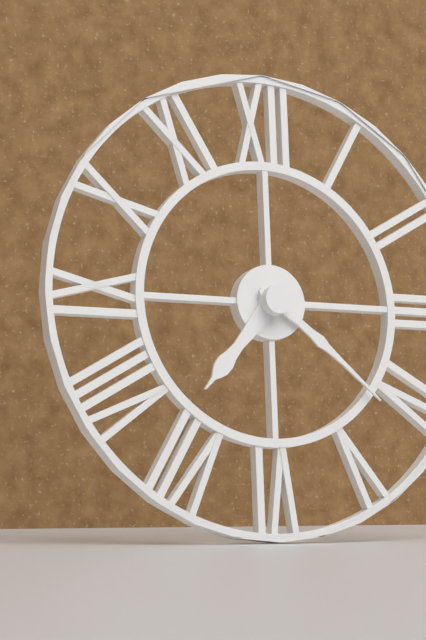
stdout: 7:21
